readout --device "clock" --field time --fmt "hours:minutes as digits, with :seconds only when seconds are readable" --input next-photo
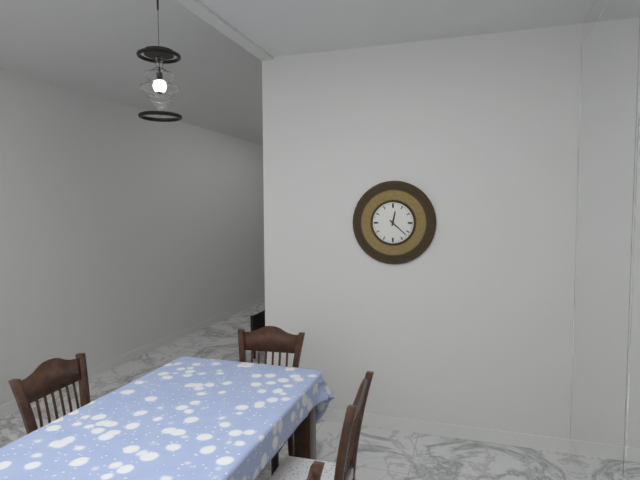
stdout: 12:22
